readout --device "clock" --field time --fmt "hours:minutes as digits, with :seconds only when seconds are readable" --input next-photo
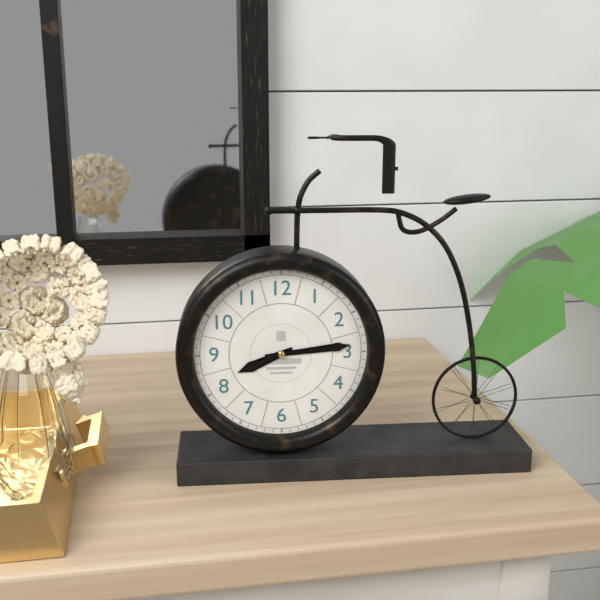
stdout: 8:14
